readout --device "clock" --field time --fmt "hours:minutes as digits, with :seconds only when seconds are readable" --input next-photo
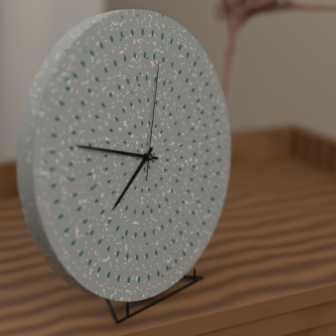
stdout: 7:48:03
